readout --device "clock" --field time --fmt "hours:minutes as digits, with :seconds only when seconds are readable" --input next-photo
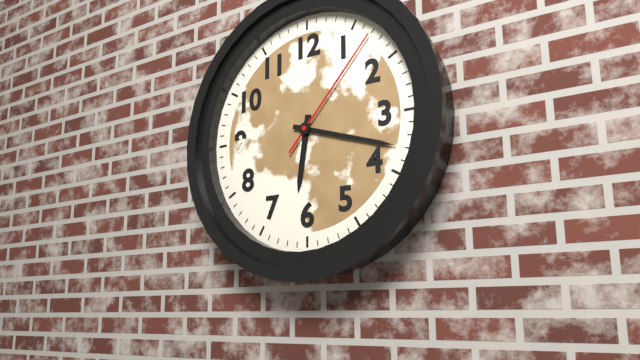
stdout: 6:18:07
